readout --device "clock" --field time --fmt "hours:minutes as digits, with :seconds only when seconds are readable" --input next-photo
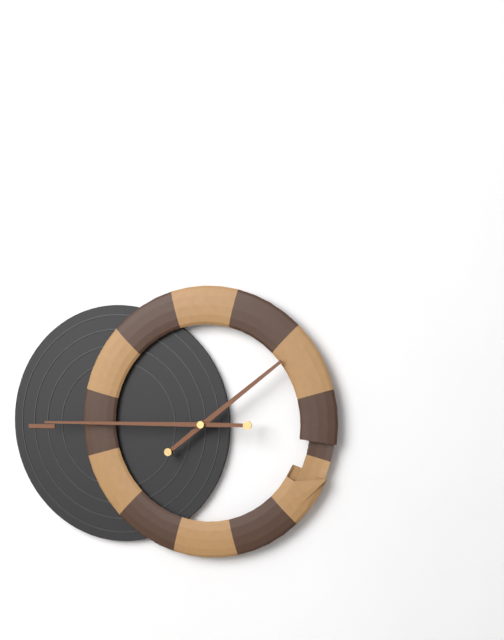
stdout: 1:45
